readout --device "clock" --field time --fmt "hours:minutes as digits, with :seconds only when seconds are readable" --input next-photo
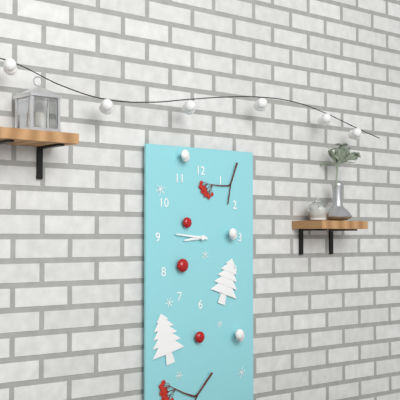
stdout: 8:46
